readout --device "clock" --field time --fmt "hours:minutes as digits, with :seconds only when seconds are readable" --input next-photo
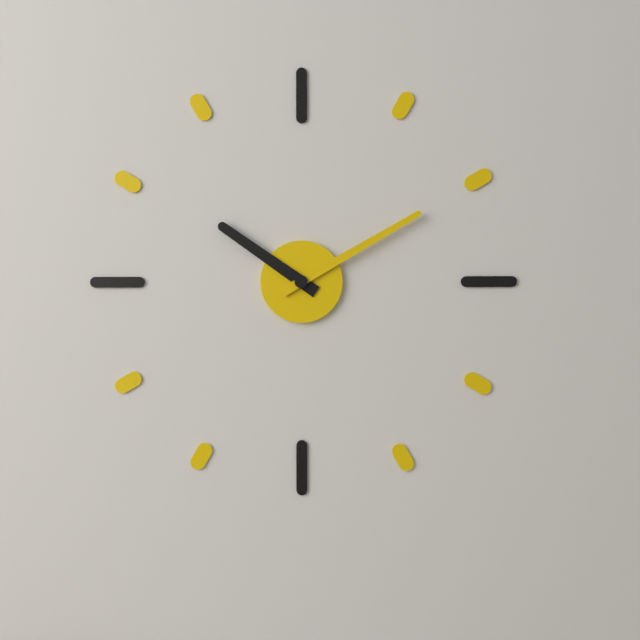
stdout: 10:10
